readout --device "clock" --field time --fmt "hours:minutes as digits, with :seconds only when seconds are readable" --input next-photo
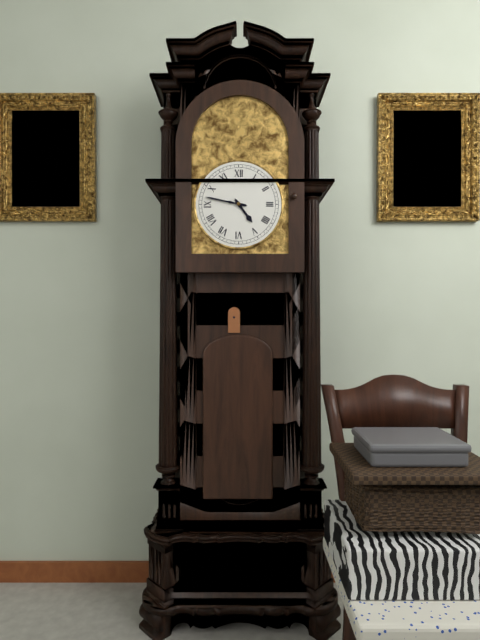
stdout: 4:47
